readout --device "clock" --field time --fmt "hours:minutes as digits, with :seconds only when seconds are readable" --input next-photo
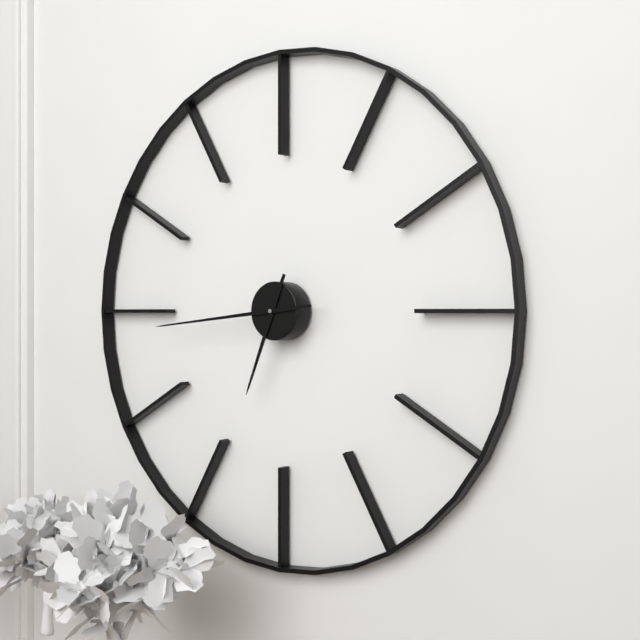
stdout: 6:44
